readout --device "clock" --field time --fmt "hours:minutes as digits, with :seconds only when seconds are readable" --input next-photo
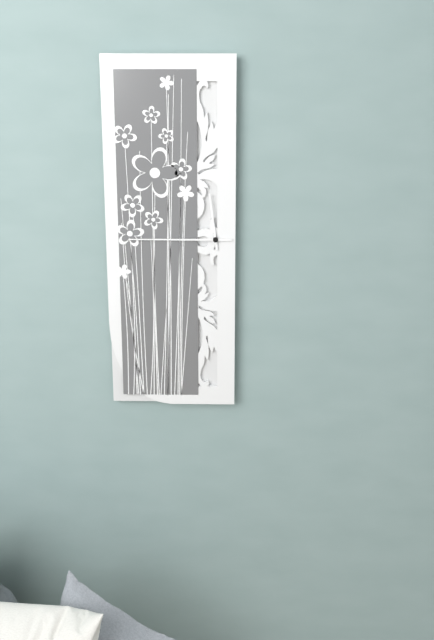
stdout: 11:45
